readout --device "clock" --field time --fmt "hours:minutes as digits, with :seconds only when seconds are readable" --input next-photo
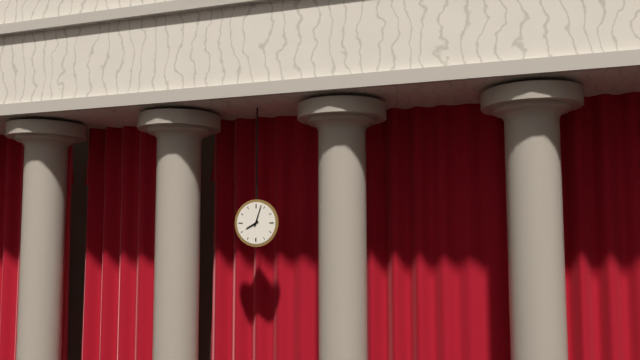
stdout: 8:03
